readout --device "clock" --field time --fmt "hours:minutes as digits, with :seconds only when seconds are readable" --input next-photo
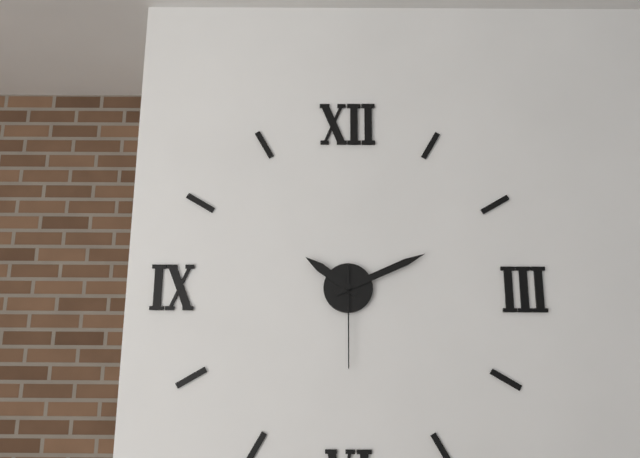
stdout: 10:11:30
